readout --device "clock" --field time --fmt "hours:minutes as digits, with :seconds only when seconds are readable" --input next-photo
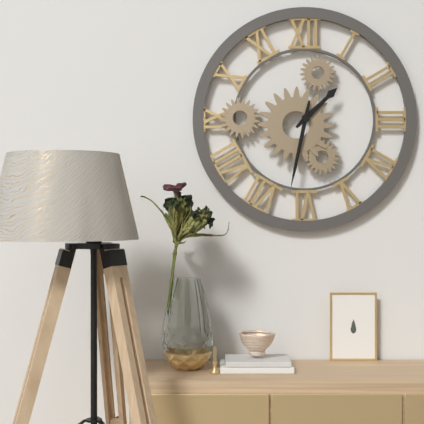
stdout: 1:32
